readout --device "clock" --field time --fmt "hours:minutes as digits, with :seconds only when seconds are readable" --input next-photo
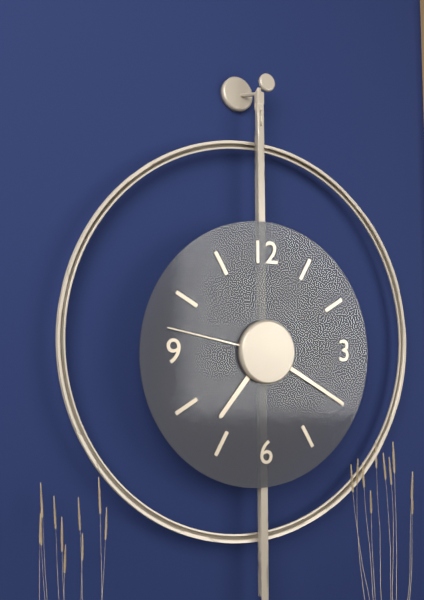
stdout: 7:20:47
